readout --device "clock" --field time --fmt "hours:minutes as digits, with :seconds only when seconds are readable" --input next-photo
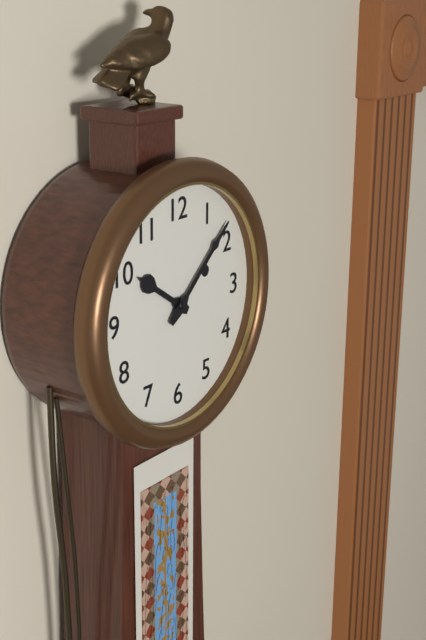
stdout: 10:08
